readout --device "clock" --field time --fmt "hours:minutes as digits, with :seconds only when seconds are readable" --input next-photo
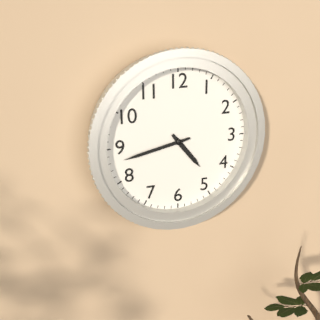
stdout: 4:43
